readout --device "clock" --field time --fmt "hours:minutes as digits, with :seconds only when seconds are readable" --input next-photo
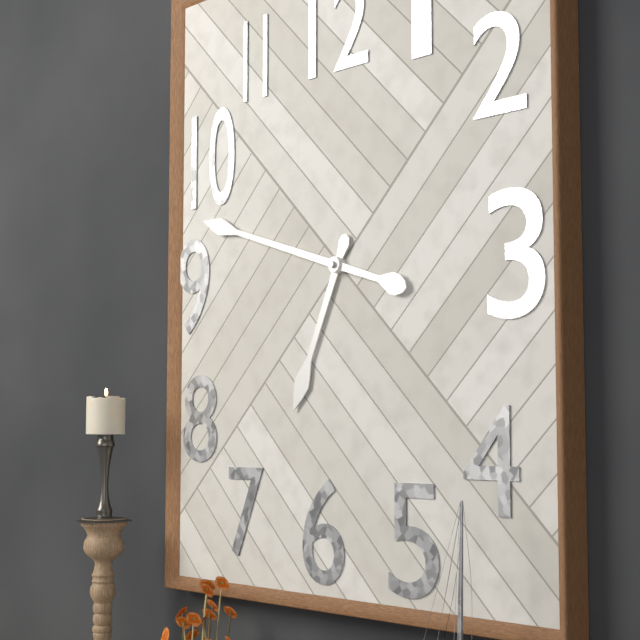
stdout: 6:48
